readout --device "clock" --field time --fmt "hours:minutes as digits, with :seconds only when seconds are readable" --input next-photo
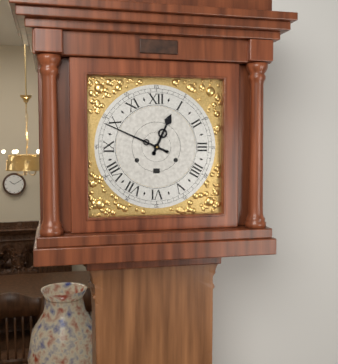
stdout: 12:49
